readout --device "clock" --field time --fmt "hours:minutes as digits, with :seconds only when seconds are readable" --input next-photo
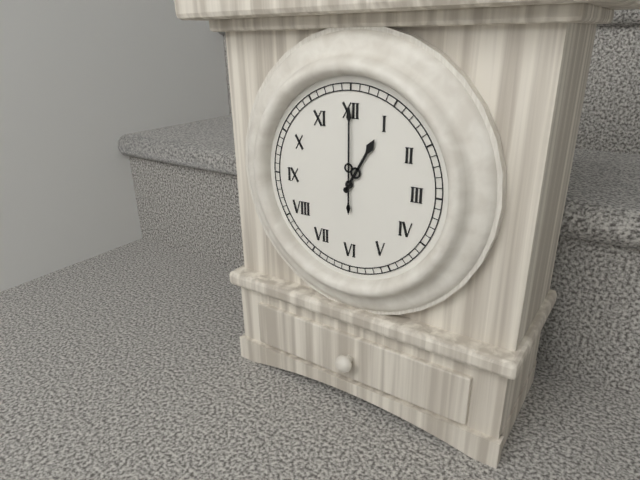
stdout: 1:00
